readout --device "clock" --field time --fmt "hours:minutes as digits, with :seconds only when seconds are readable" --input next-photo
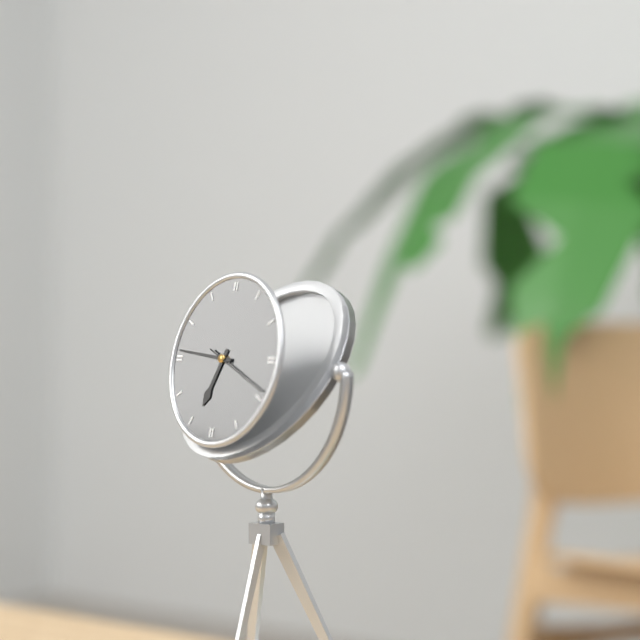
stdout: 6:46
